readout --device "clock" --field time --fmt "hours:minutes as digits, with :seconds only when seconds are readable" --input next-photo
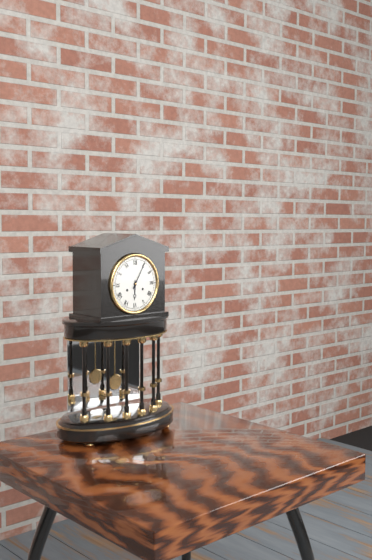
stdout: 6:05
